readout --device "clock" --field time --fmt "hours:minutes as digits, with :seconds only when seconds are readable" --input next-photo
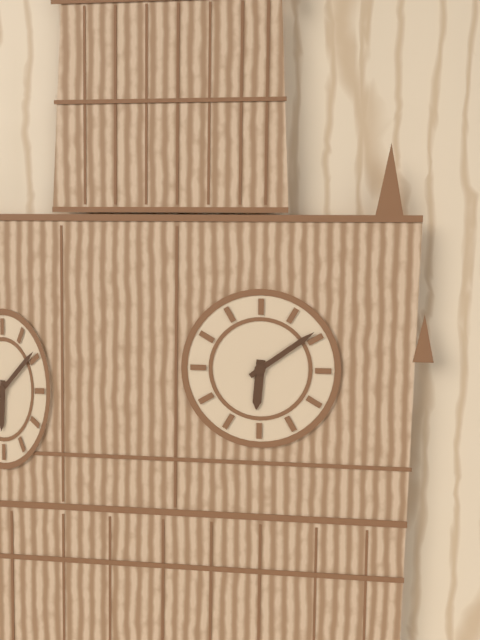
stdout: 6:09
